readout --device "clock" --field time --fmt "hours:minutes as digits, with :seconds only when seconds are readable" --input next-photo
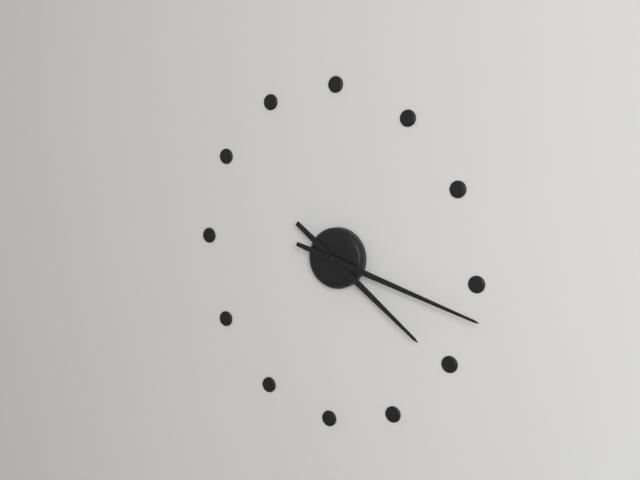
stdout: 4:18
